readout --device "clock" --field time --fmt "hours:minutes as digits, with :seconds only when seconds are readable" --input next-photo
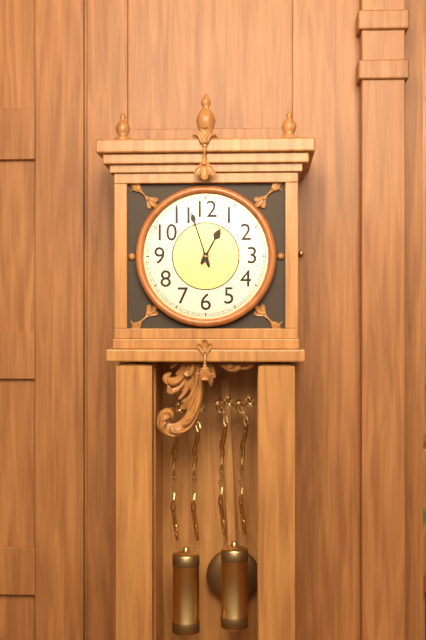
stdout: 12:57
